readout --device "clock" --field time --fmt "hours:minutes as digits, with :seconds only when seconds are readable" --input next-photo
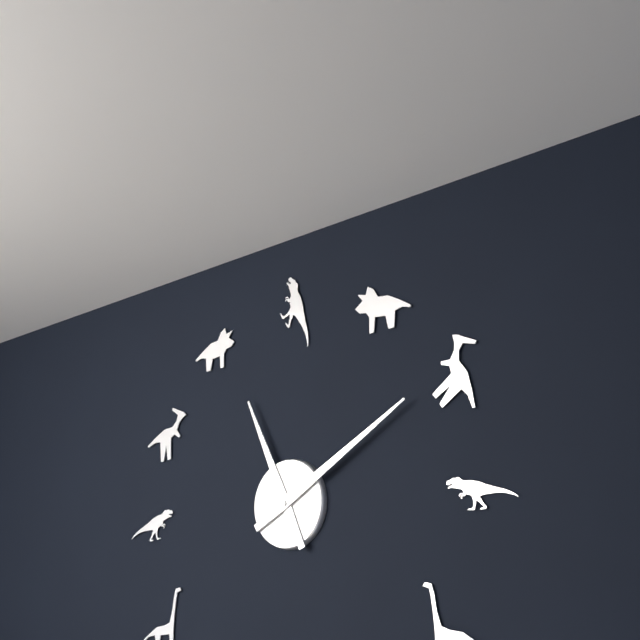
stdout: 11:10
